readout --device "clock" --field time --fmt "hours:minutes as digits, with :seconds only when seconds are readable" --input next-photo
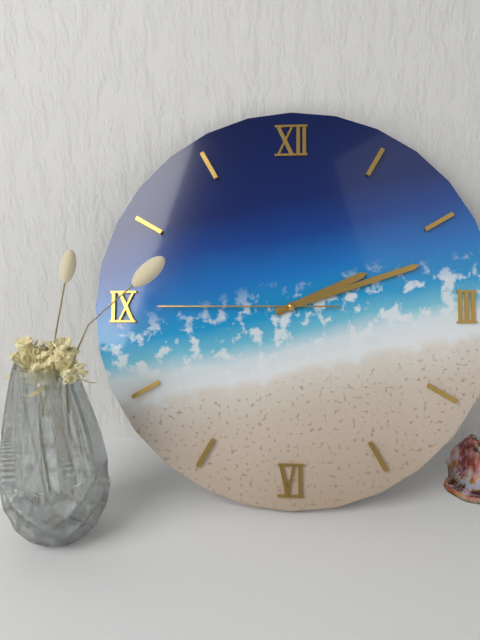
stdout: 2:12:45
